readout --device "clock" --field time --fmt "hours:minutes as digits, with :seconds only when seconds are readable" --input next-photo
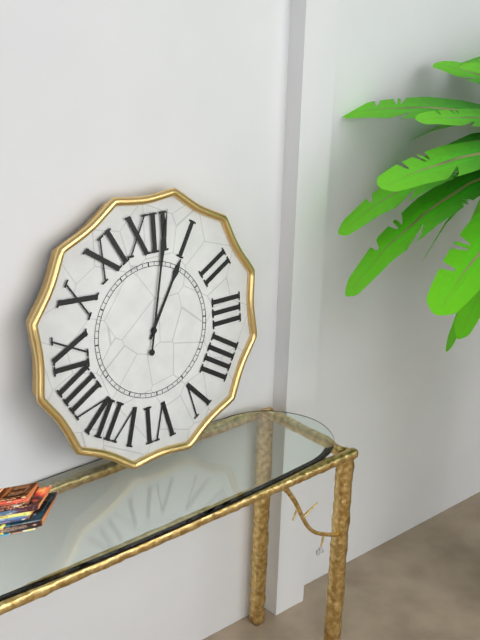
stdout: 1:02
